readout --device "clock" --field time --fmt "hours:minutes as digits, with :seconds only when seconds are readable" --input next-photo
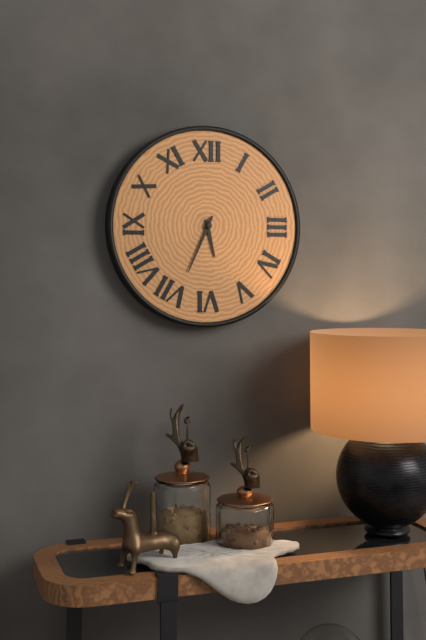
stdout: 5:34
